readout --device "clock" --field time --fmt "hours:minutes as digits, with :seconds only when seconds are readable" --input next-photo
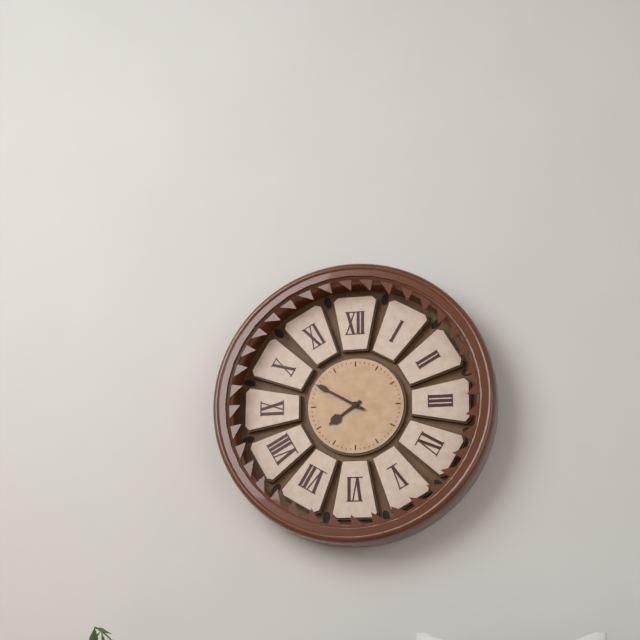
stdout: 7:50
